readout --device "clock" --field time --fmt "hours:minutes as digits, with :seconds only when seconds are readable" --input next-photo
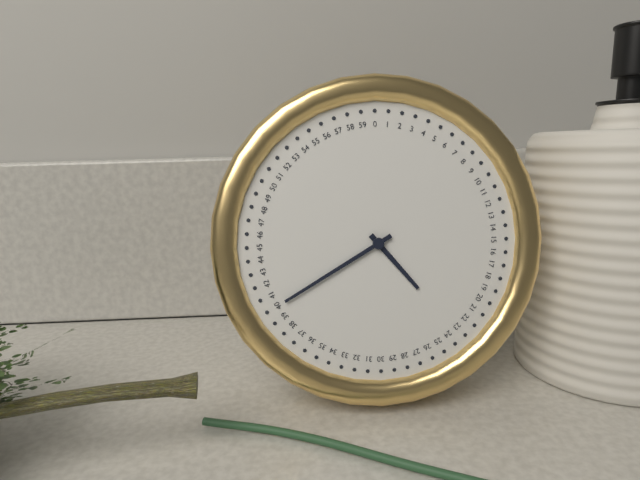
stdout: 4:40
